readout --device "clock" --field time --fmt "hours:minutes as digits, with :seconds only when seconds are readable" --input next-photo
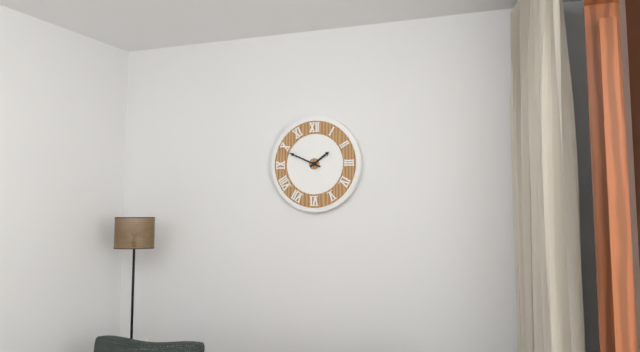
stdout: 1:49
